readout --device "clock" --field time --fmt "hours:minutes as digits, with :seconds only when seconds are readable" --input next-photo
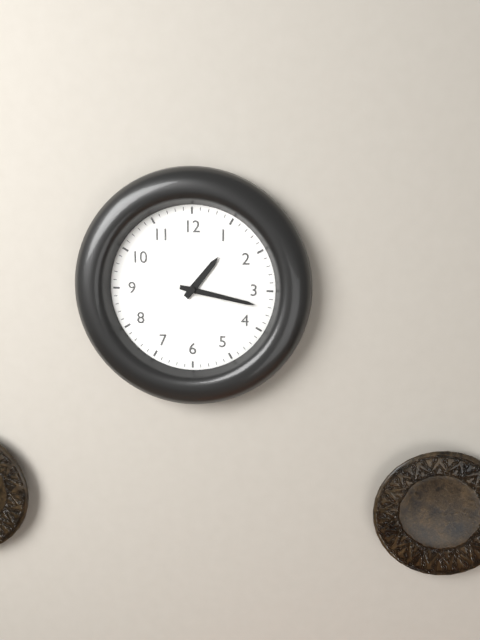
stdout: 1:17
